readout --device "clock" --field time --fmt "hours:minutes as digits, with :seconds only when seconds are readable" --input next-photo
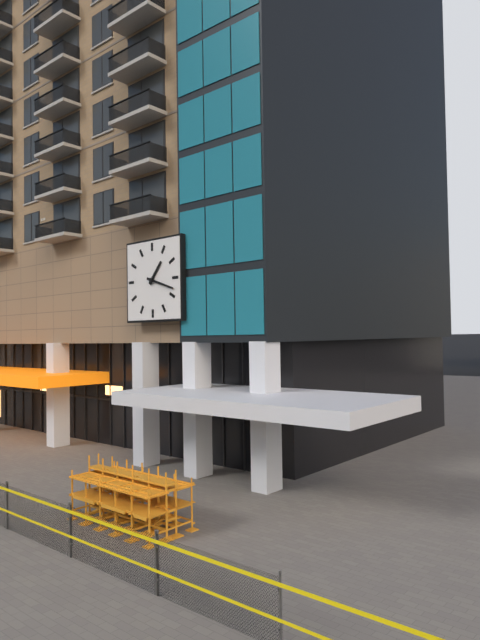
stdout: 1:18
